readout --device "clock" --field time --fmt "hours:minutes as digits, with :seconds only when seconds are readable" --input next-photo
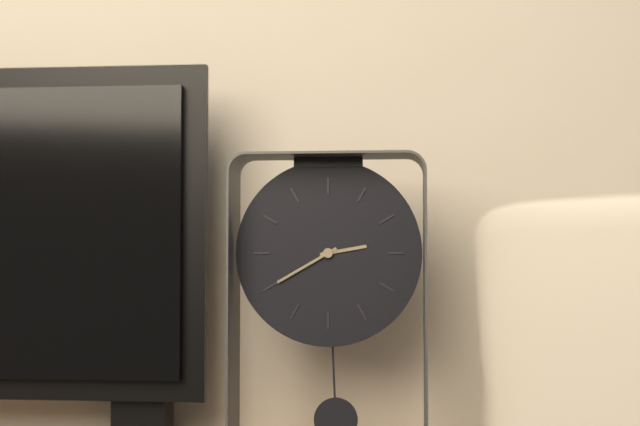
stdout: 2:40
